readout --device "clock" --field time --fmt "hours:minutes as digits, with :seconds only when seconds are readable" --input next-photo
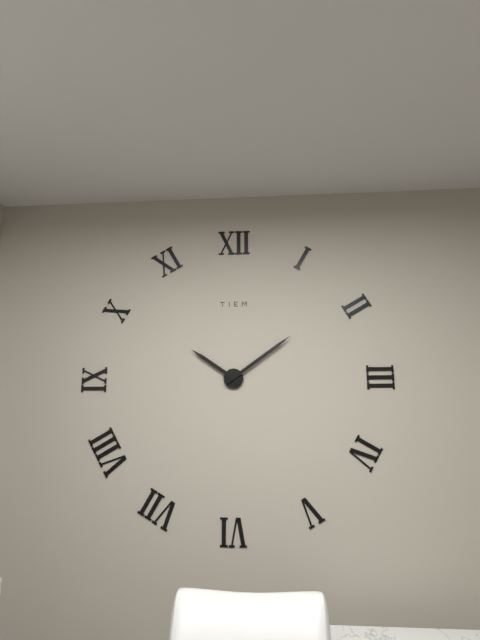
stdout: 10:09
